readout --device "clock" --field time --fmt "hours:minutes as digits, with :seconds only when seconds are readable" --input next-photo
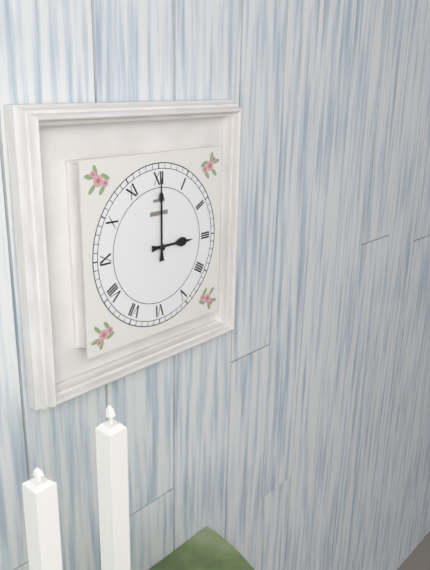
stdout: 3:00
